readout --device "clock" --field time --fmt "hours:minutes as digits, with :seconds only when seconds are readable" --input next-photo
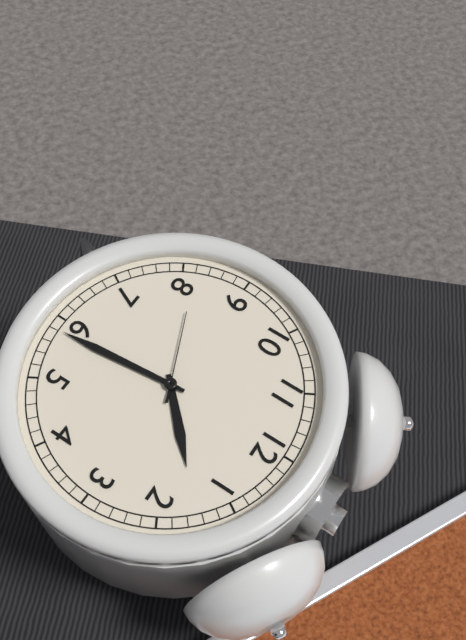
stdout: 1:29:41
